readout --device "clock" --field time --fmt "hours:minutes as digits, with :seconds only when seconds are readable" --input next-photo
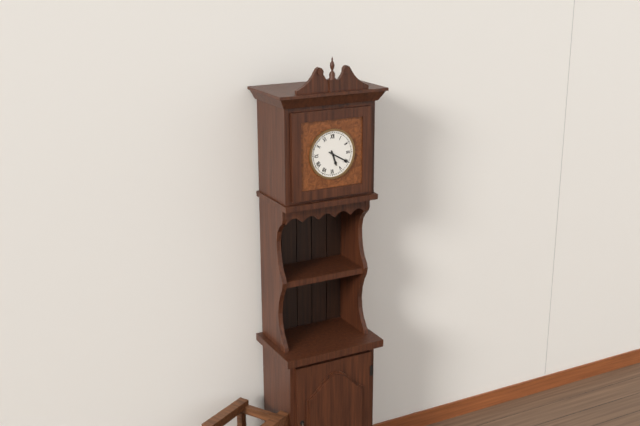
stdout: 5:20
